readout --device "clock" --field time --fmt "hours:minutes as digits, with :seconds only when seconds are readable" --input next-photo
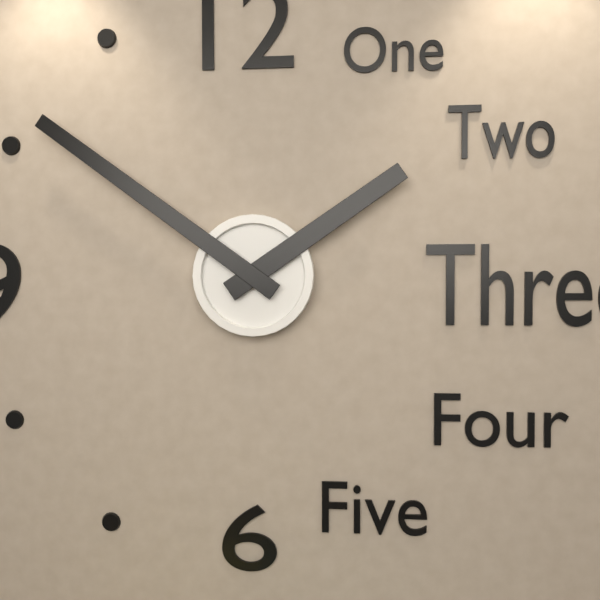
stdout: 1:51
